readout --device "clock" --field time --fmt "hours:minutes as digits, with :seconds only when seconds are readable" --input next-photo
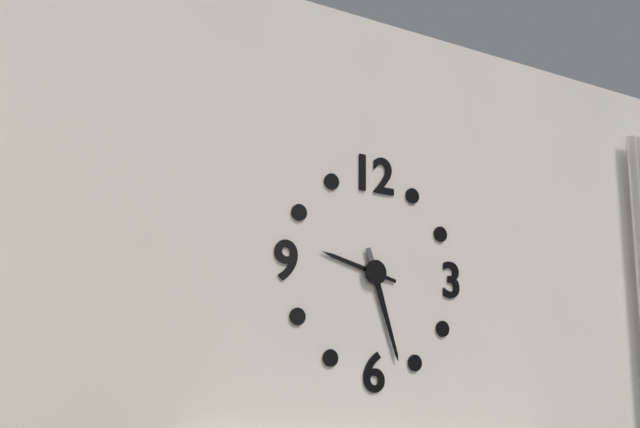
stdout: 9:27
